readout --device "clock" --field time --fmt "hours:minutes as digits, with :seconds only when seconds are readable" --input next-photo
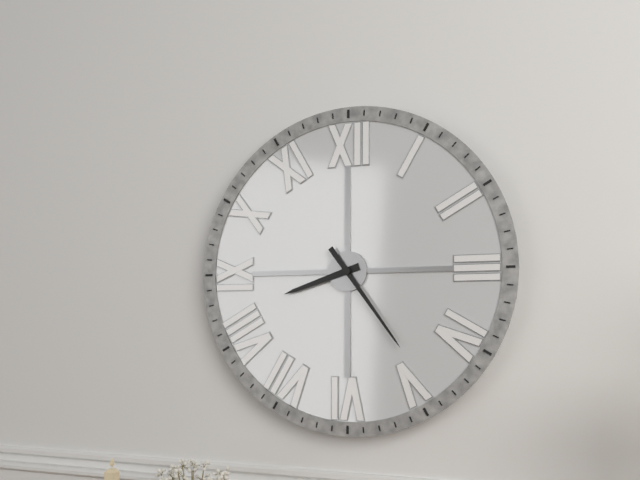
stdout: 8:24
